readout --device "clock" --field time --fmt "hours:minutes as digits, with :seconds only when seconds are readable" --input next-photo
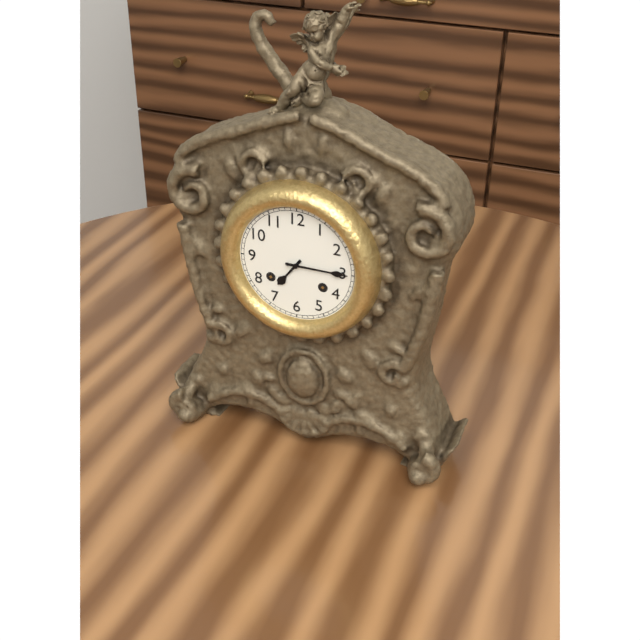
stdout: 7:15
